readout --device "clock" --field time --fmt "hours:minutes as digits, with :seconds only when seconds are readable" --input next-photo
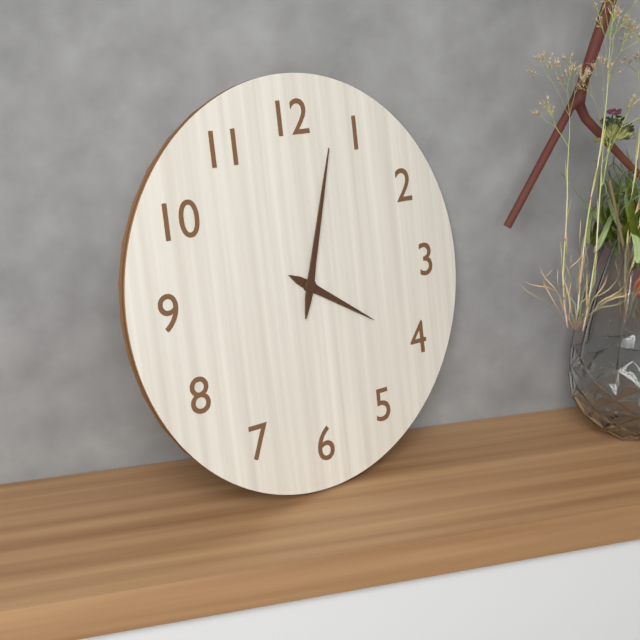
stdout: 4:03
